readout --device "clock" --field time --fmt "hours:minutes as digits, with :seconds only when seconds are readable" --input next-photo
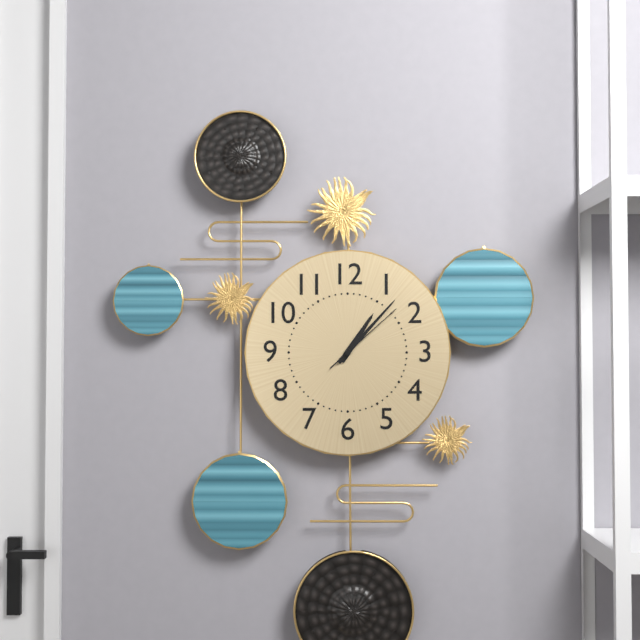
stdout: 1:07:08
